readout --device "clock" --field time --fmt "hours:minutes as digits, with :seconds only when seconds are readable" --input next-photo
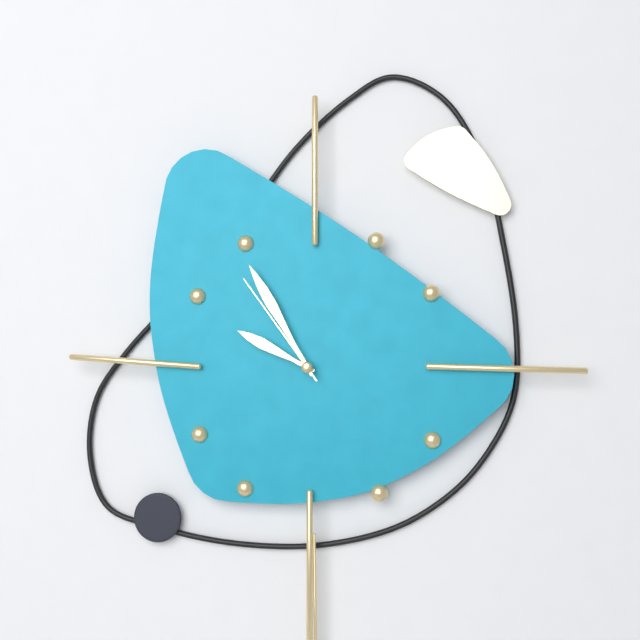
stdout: 9:55:54
